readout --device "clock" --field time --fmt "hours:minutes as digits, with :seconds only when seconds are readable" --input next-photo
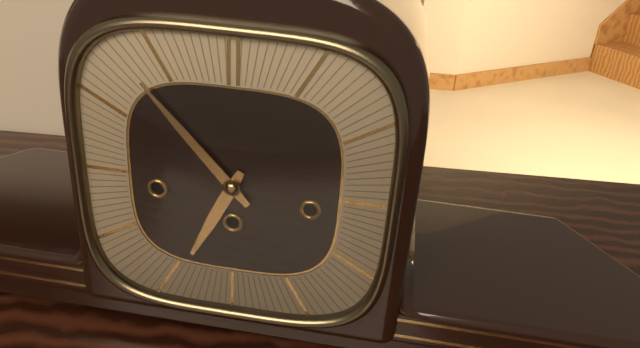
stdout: 6:53
